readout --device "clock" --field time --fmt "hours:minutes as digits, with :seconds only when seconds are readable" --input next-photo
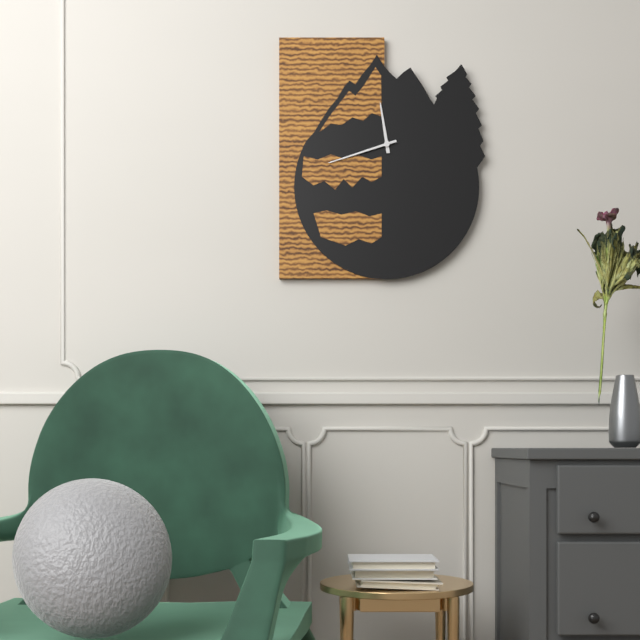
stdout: 11:42
